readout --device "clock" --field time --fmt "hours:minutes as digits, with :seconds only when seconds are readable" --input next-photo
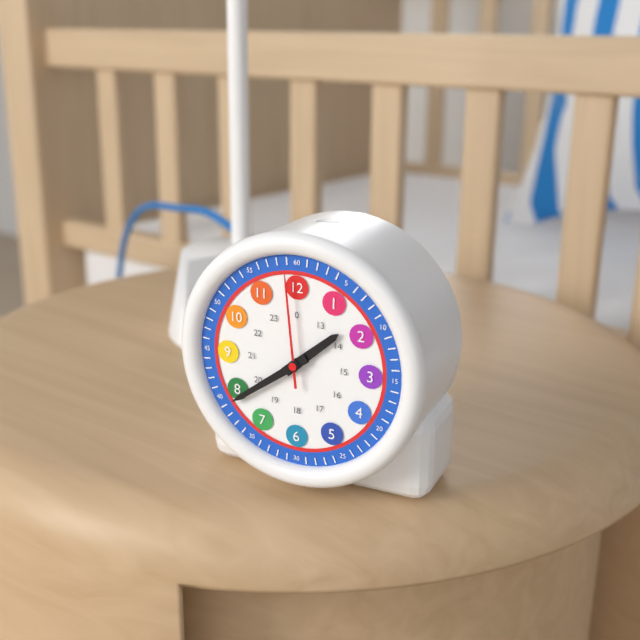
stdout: 1:39:59
